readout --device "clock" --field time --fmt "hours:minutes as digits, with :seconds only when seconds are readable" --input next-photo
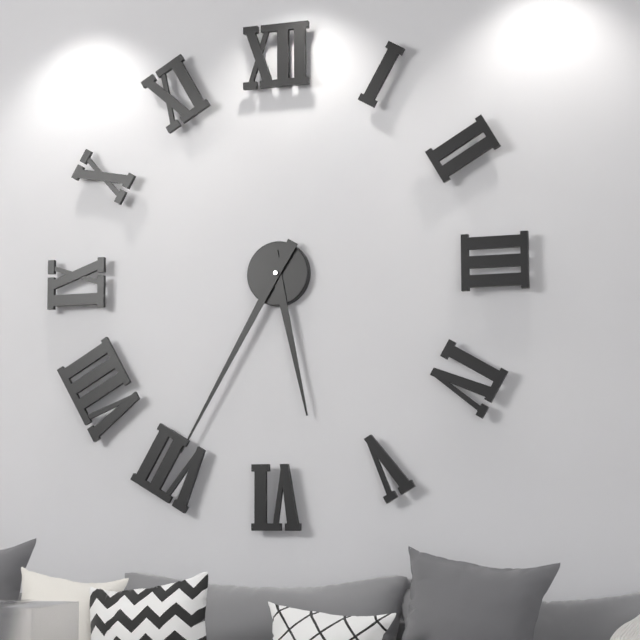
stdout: 5:35
